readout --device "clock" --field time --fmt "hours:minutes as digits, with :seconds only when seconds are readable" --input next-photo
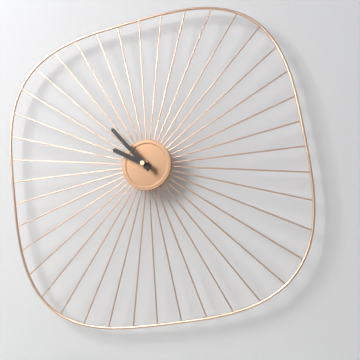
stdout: 9:53
